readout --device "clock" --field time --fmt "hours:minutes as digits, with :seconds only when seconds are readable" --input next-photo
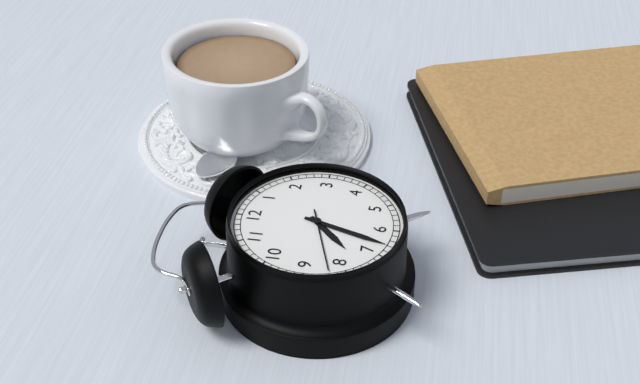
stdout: 7:33:42
